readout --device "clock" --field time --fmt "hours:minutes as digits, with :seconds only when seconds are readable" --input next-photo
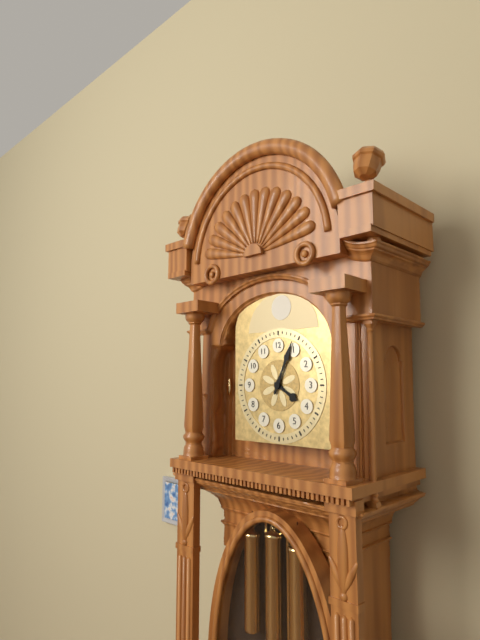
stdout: 4:04
